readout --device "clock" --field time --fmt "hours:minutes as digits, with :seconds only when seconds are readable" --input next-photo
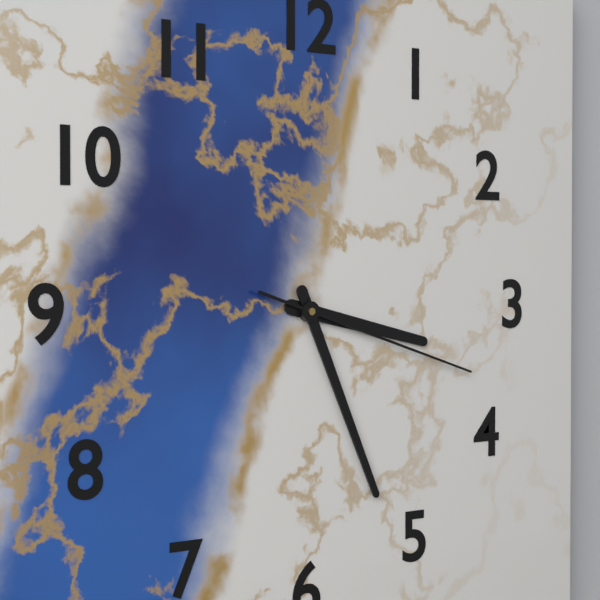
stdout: 3:26:18
